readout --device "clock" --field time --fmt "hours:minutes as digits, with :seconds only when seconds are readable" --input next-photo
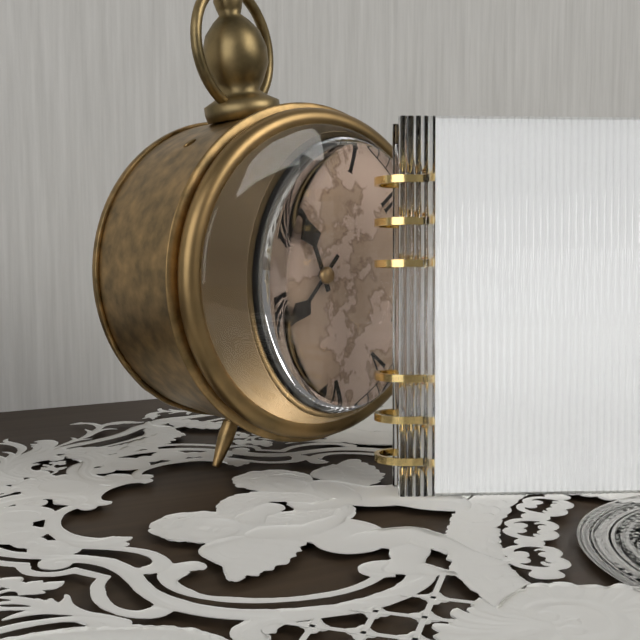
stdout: 11:38
